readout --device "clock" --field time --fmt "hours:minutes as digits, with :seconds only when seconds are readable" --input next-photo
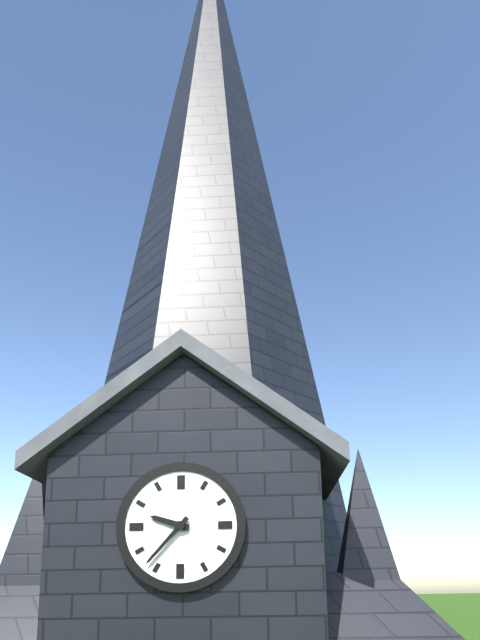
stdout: 9:37
